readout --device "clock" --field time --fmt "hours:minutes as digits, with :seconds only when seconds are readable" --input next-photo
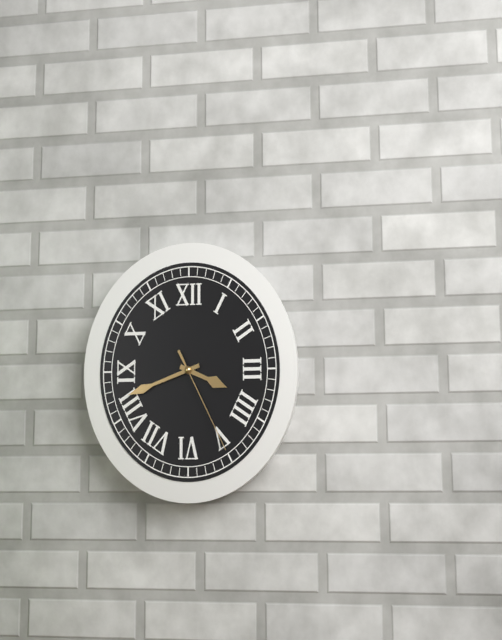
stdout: 3:42:25
